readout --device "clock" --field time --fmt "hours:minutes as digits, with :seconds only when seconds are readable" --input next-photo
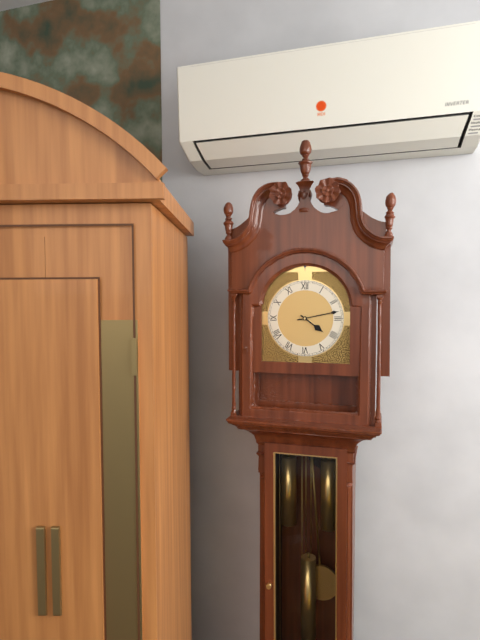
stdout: 4:13
